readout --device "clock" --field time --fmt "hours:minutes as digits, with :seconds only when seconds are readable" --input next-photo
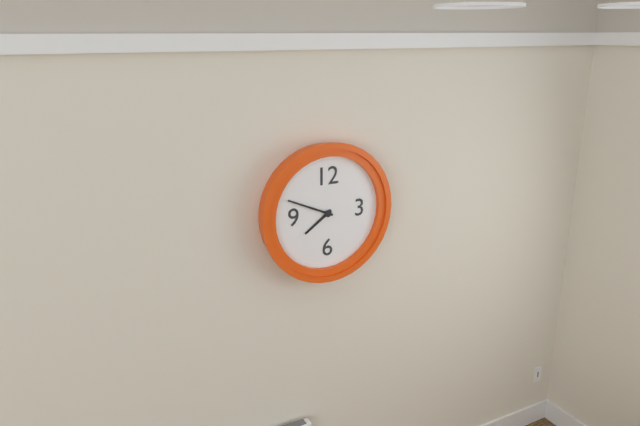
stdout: 7:49
